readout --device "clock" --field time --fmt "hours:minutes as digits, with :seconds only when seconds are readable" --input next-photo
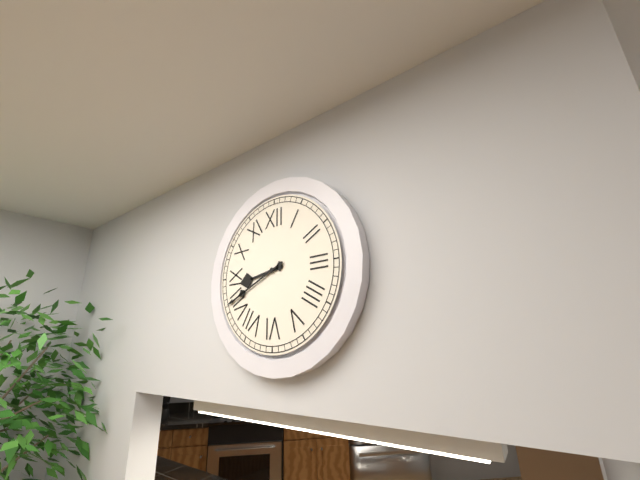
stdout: 8:41
